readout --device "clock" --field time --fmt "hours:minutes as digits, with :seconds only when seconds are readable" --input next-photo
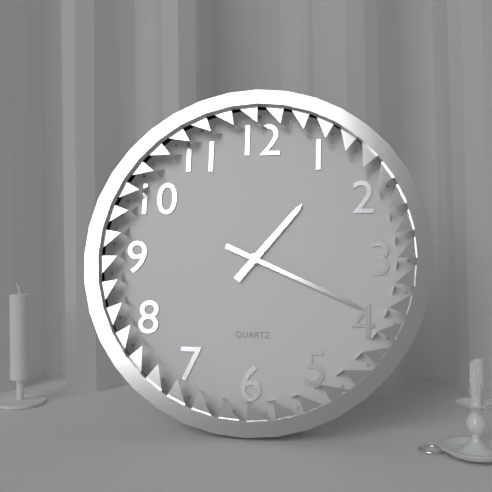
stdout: 1:19
